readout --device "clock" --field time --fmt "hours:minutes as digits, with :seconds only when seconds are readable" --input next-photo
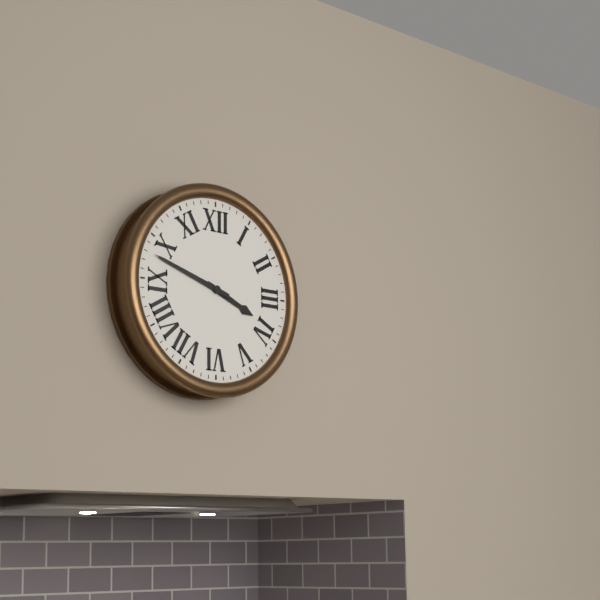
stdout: 3:48
